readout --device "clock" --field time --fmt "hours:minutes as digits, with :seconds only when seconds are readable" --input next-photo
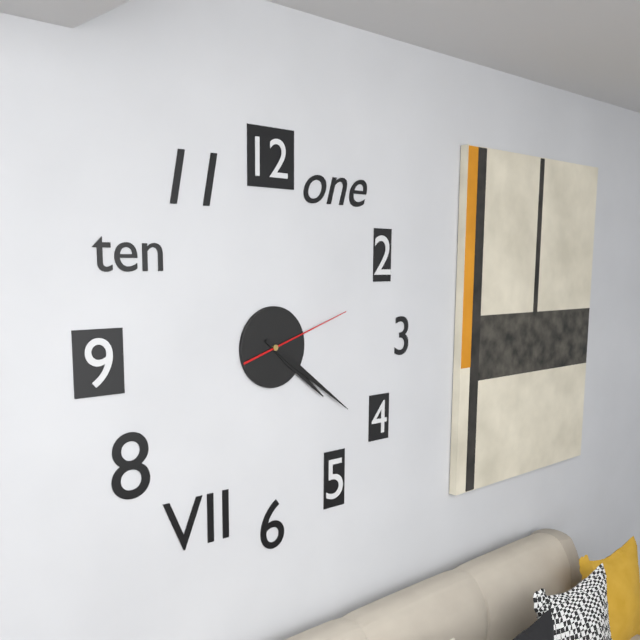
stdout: 4:21:12
